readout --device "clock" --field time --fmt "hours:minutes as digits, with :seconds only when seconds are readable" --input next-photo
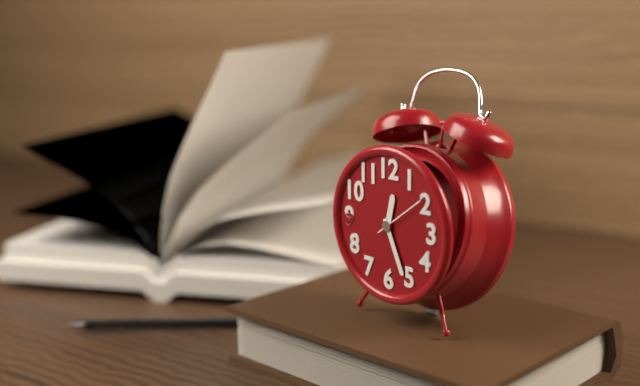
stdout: 12:26:09
